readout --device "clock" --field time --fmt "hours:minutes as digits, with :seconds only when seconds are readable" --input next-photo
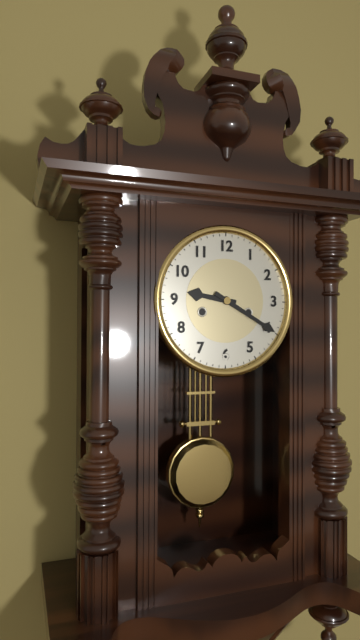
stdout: 9:20
